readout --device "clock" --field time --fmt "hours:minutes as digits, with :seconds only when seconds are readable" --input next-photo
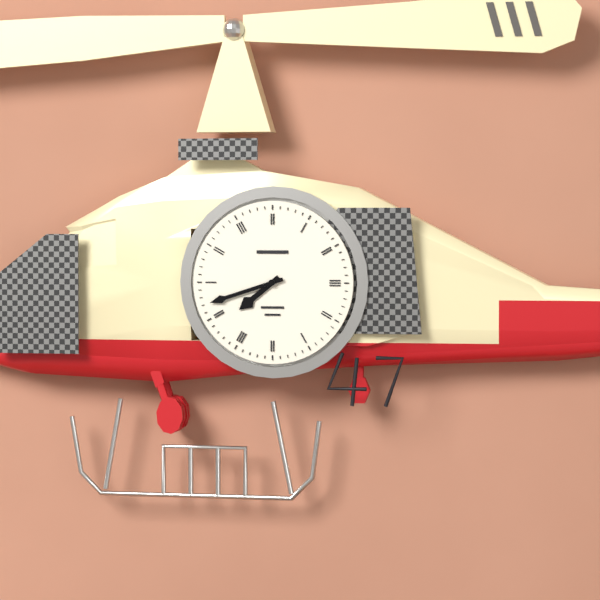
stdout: 7:42
